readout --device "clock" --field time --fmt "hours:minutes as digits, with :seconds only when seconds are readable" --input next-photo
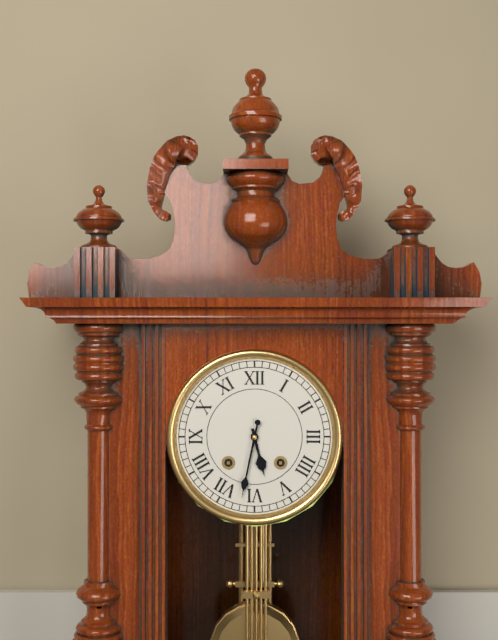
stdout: 5:32
